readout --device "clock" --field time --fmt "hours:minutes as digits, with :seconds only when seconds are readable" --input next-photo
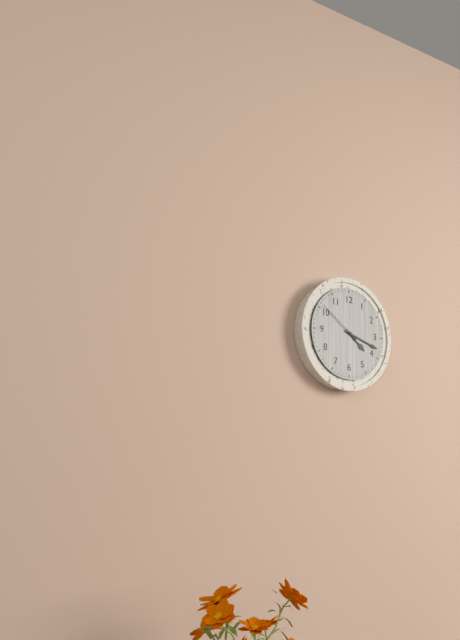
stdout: 4:18
